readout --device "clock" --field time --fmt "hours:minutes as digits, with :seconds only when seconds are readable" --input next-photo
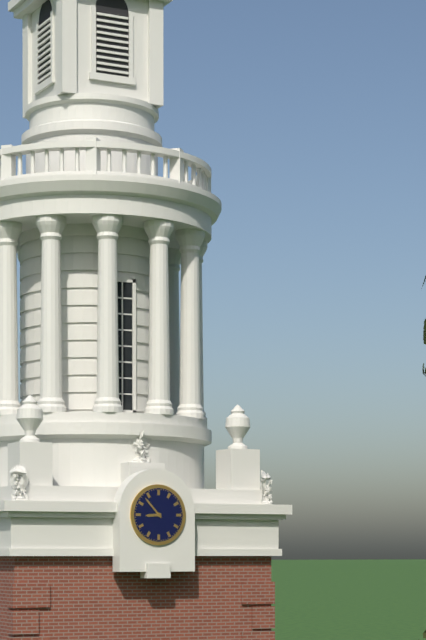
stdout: 8:53
